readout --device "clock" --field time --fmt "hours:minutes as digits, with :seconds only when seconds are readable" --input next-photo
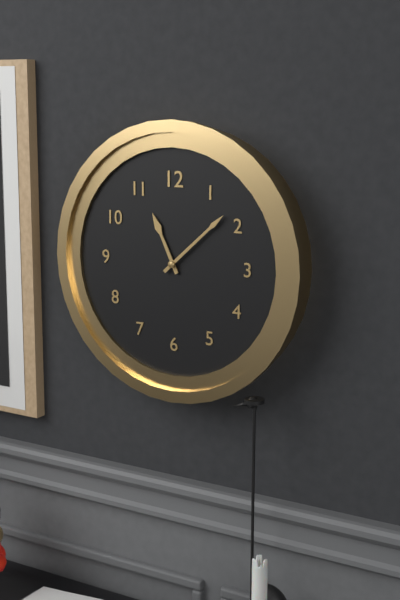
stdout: 11:08
